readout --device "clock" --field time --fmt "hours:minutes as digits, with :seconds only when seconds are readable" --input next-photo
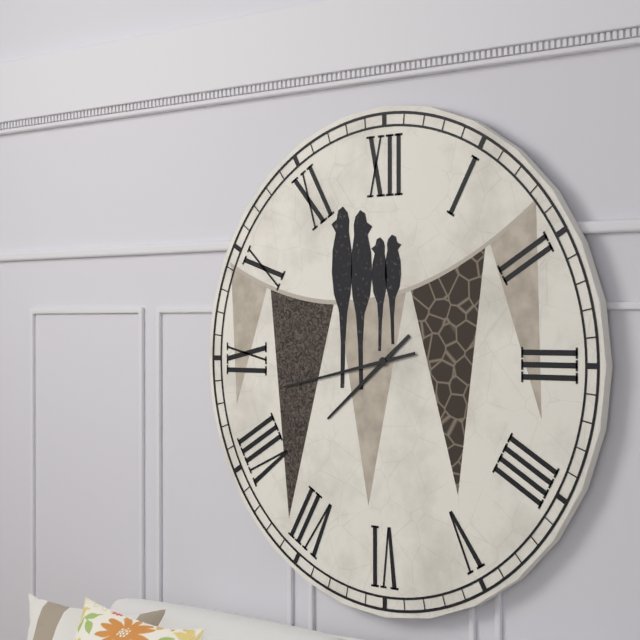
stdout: 7:43
